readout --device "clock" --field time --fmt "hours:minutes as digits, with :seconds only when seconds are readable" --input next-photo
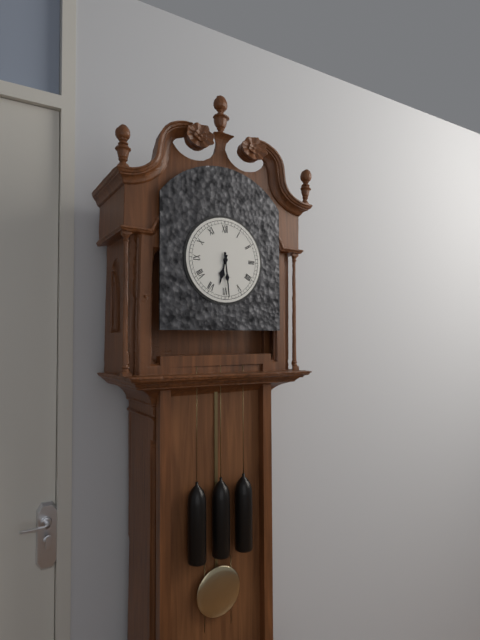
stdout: 6:29
